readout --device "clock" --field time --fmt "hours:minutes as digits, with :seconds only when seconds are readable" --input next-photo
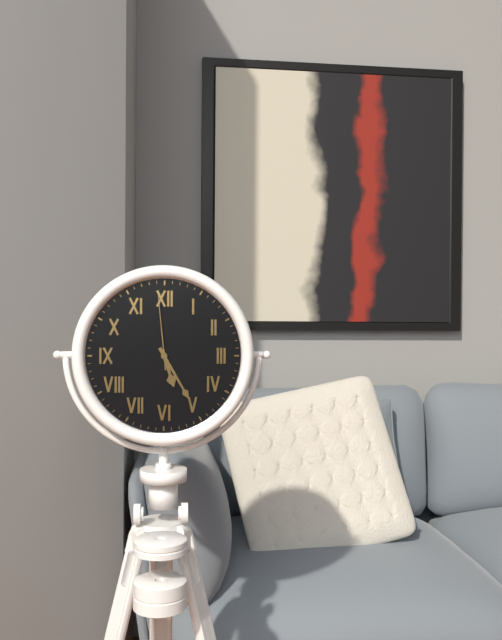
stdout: 5:25:59
